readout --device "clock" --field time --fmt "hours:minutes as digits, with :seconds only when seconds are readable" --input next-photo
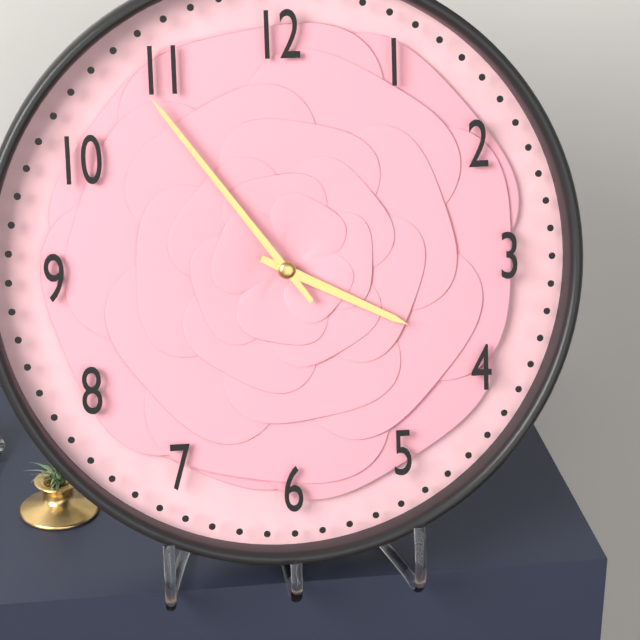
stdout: 3:54
